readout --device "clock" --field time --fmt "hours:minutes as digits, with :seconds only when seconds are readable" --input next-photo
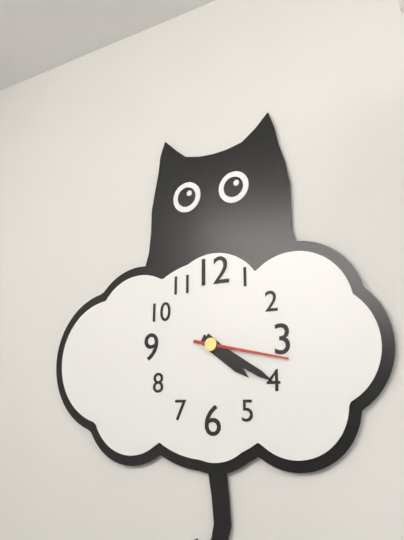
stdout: 4:20:17
